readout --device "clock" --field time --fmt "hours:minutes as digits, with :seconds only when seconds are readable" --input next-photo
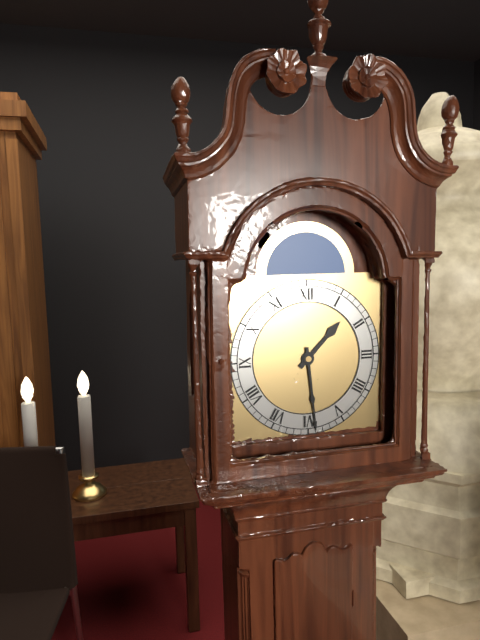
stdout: 1:29
